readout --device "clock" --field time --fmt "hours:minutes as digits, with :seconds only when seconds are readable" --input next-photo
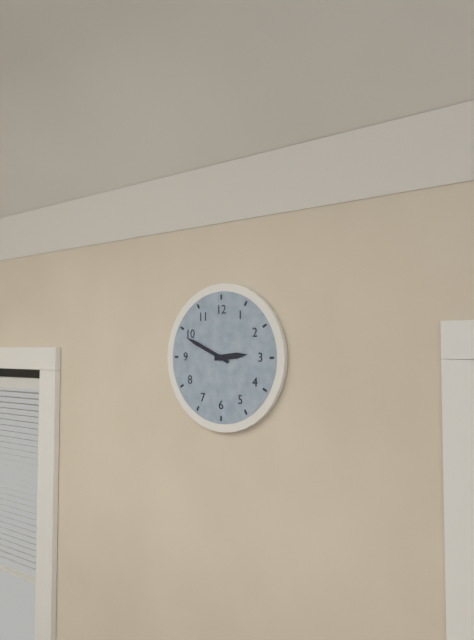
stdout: 2:49
